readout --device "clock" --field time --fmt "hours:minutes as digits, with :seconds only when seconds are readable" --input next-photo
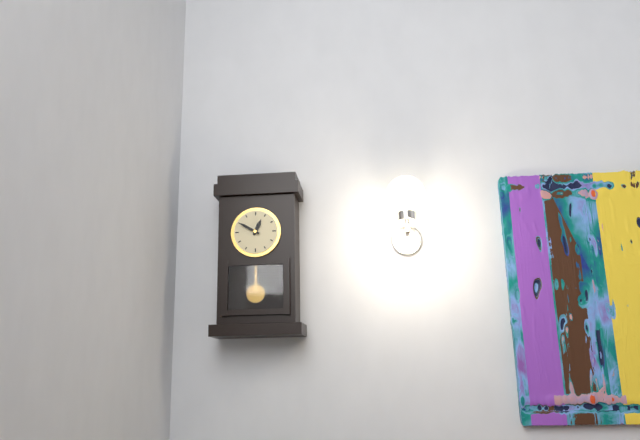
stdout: 12:50
